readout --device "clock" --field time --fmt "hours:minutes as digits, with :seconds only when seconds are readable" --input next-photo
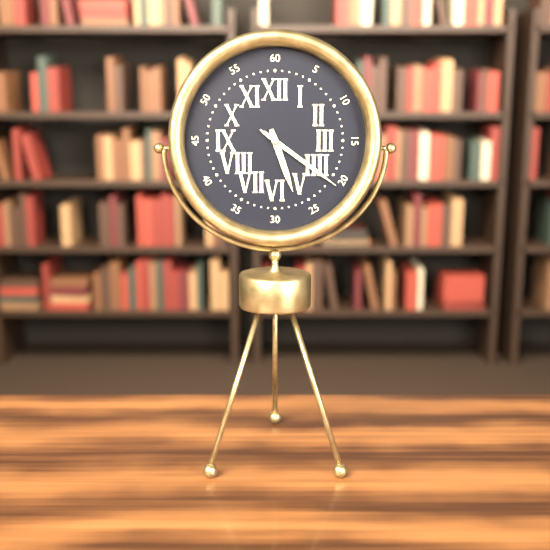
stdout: 5:21:21
